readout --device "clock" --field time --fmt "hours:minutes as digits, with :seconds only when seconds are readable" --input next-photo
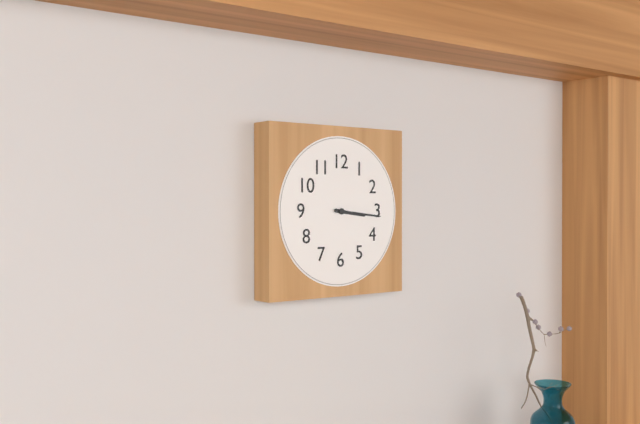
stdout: 3:16
